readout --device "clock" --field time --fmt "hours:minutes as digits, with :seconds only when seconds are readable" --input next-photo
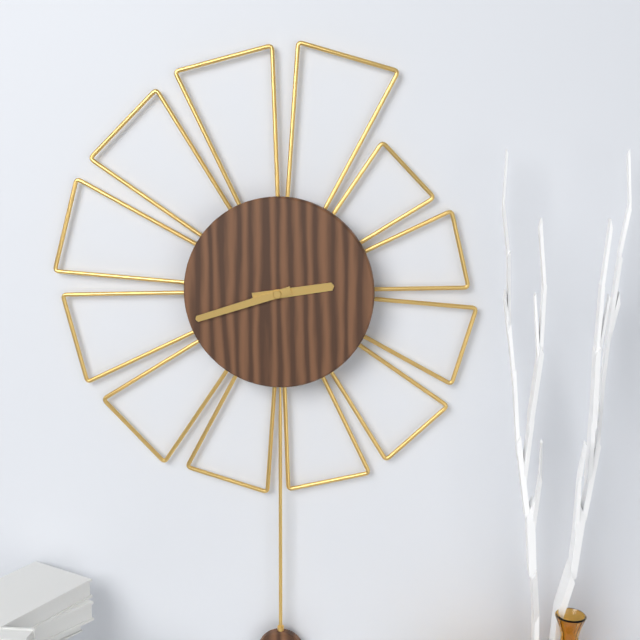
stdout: 2:42
